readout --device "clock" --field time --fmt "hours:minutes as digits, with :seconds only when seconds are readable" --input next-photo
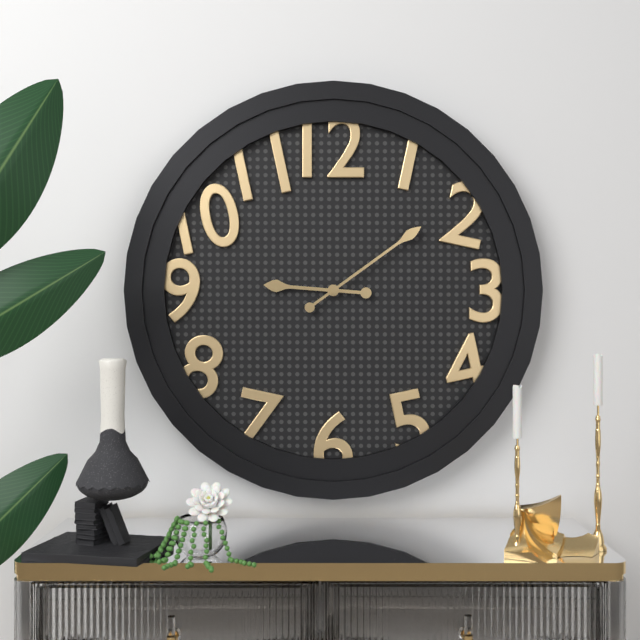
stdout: 9:09
